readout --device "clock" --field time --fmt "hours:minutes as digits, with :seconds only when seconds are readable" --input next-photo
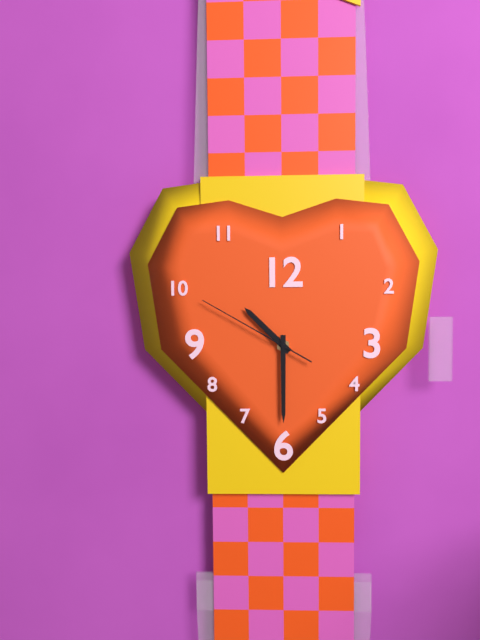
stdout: 10:30:50
